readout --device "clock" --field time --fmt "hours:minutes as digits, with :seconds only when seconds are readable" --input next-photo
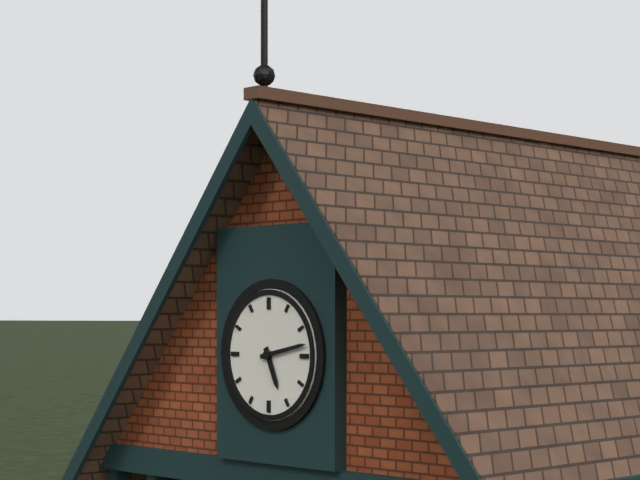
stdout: 5:13
